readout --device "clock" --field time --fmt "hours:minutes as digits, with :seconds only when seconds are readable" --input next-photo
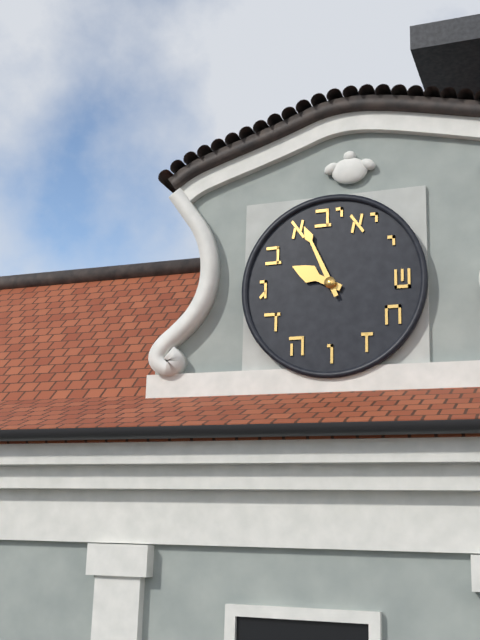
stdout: 9:56
